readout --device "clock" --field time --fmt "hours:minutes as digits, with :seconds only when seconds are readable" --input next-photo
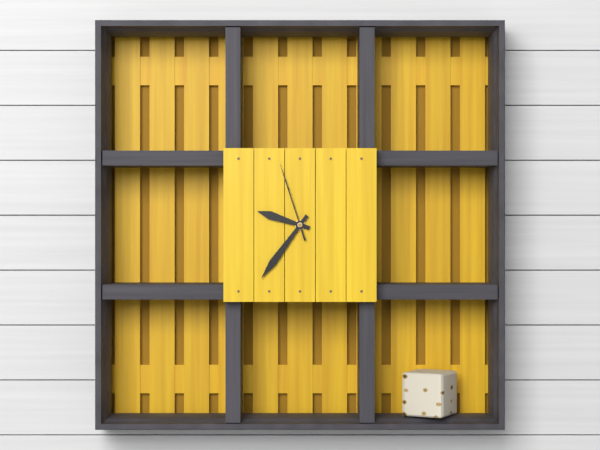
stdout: 9:36:57
